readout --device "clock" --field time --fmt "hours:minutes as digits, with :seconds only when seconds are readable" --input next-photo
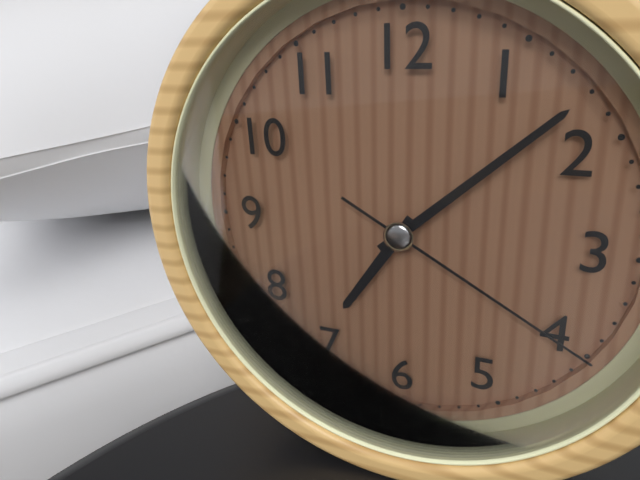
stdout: 7:08:20
